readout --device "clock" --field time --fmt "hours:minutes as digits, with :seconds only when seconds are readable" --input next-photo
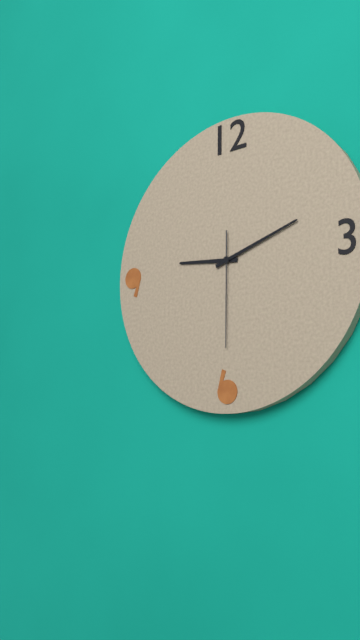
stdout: 9:12:30
